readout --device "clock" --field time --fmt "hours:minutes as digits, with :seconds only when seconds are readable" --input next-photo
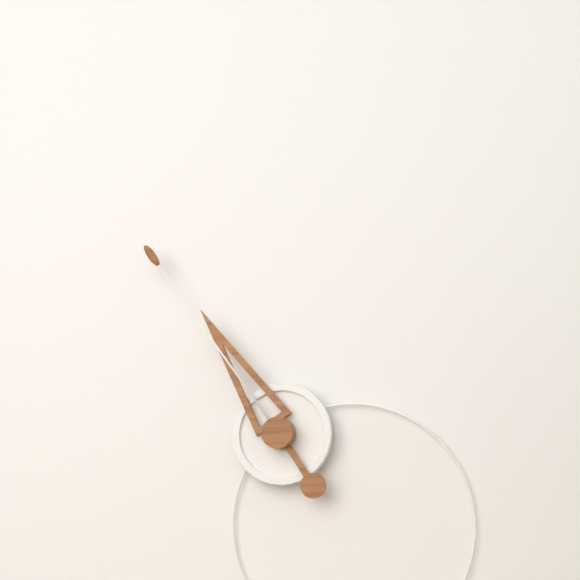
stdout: 10:54
